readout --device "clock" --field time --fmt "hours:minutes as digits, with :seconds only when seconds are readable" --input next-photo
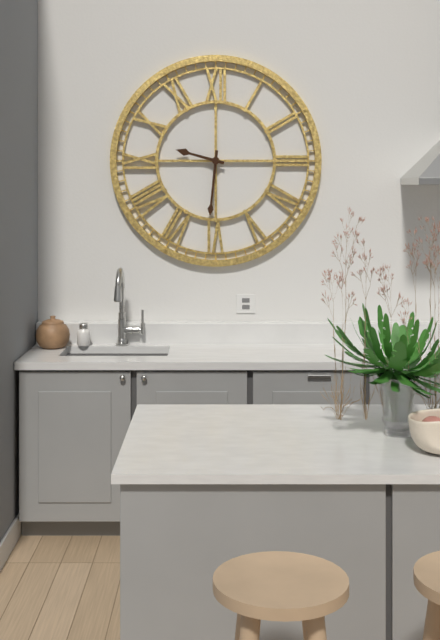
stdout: 9:31
